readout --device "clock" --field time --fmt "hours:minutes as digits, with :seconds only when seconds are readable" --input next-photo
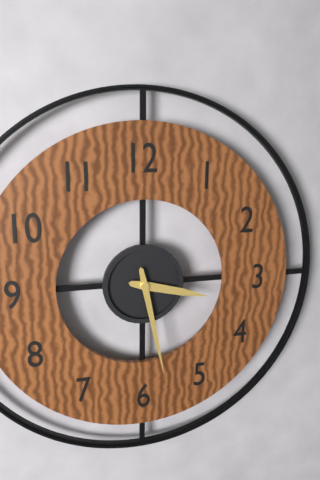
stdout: 3:28
